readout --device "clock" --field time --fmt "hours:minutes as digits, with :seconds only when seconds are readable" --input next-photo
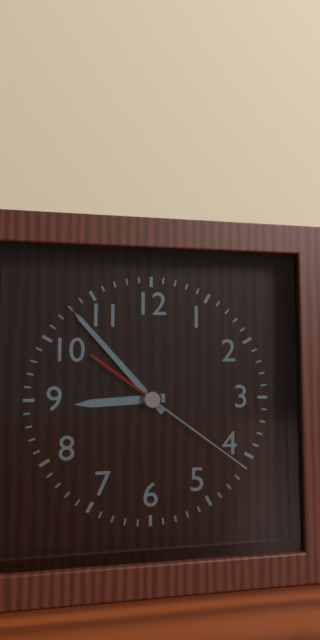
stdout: 8:53:21
